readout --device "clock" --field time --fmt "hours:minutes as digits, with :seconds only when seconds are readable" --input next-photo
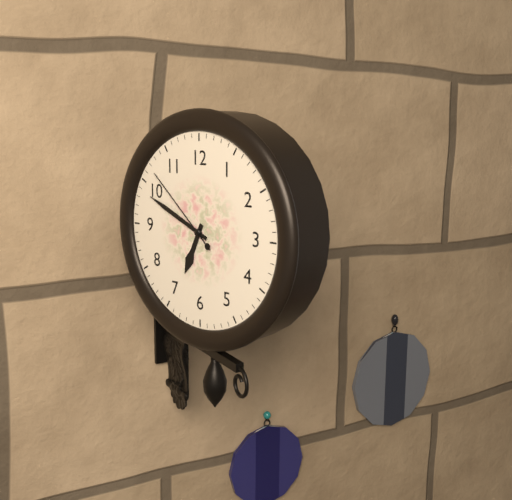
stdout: 6:49:52
